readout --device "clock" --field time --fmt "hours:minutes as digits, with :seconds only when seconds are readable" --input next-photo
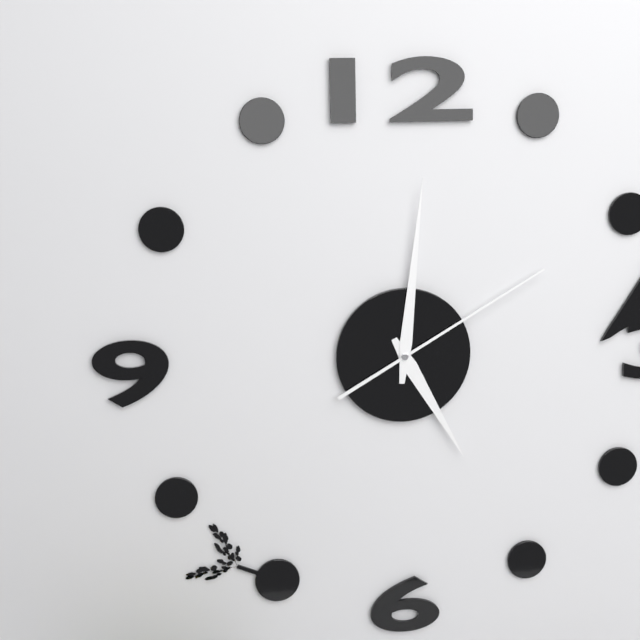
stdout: 5:01:10
